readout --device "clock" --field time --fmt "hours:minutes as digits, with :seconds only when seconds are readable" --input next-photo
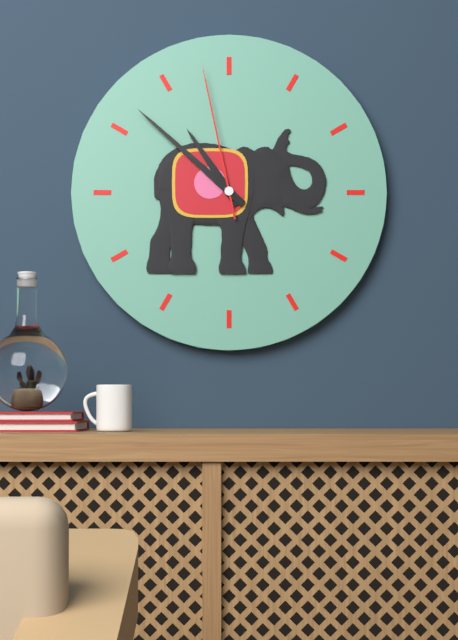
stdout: 10:52:58
